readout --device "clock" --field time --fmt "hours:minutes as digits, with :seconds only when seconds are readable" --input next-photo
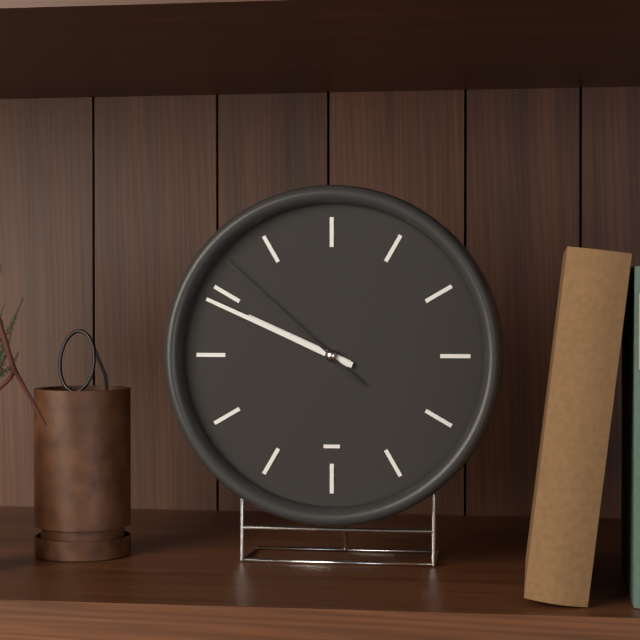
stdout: 9:49:52
